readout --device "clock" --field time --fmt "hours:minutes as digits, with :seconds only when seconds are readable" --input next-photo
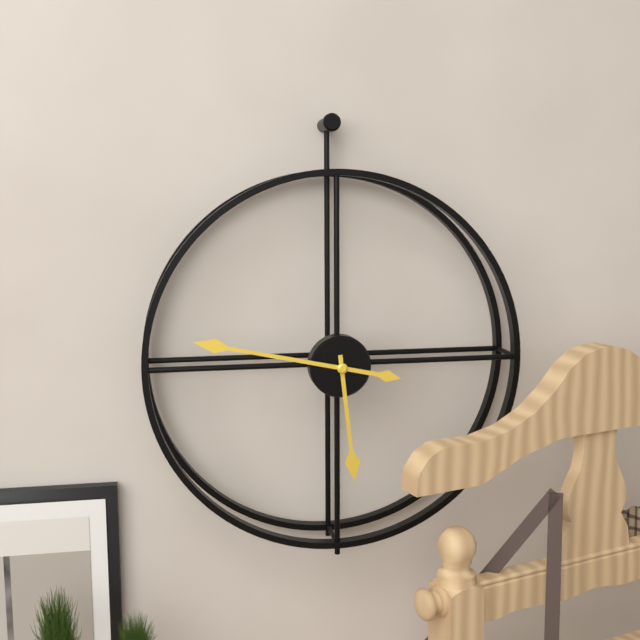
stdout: 5:47
